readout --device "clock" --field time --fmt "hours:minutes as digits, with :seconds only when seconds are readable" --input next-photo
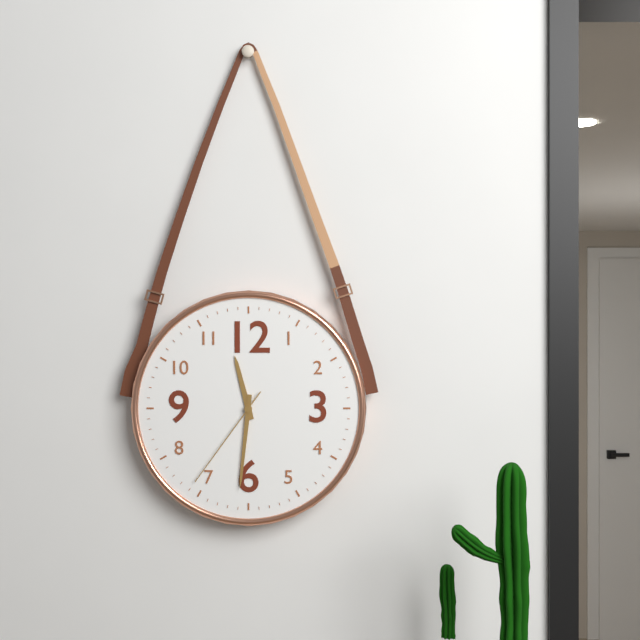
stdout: 11:31:36
